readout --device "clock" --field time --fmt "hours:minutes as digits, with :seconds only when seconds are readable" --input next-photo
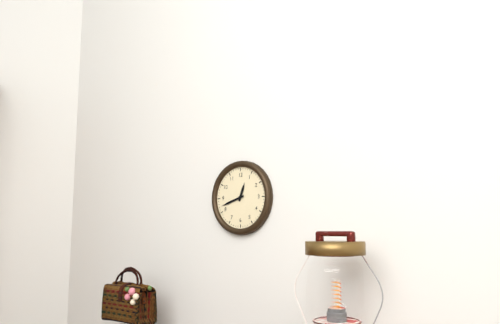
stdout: 12:42
